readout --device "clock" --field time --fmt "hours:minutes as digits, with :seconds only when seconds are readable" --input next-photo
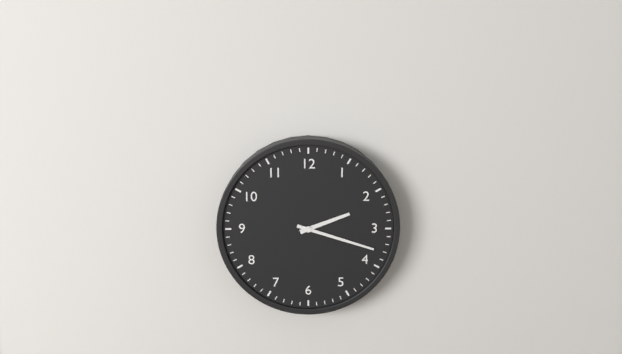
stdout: 2:18
